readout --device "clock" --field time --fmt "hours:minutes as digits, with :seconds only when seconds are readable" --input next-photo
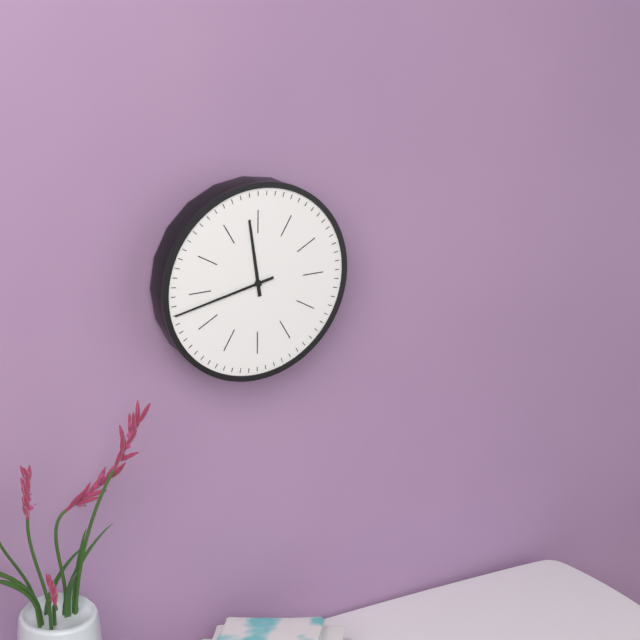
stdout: 11:43
